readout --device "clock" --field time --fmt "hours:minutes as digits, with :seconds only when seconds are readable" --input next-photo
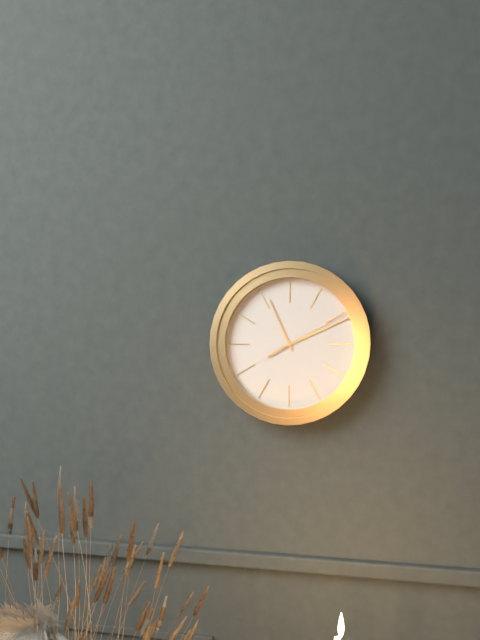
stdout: 11:11:10
